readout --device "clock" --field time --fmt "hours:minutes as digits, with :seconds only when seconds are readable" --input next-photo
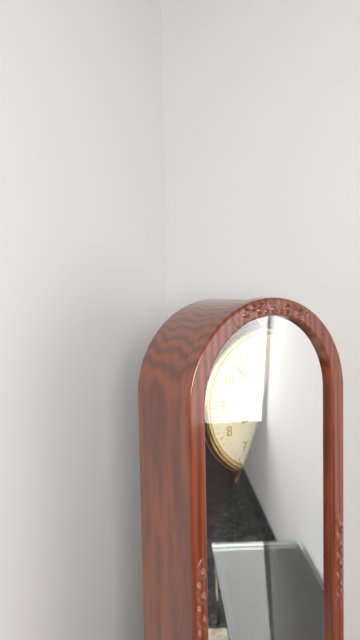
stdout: 7:53
